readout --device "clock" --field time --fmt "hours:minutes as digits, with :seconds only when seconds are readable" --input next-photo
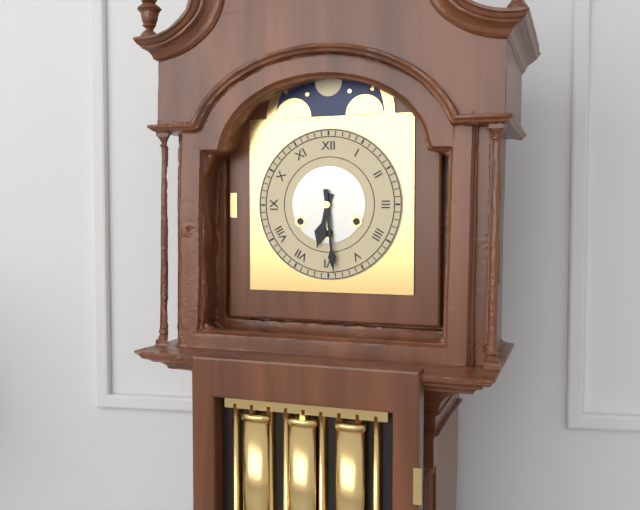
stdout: 6:29
